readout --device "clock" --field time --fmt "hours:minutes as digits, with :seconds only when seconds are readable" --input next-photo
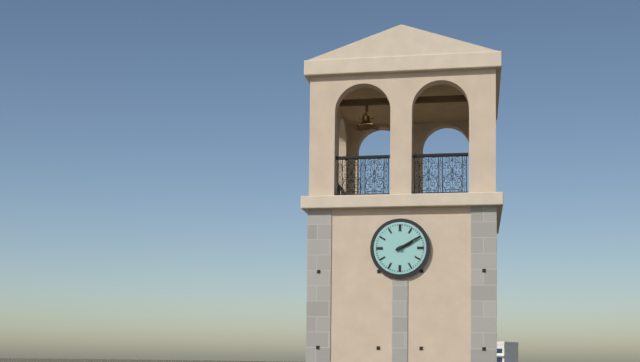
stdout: 2:10
